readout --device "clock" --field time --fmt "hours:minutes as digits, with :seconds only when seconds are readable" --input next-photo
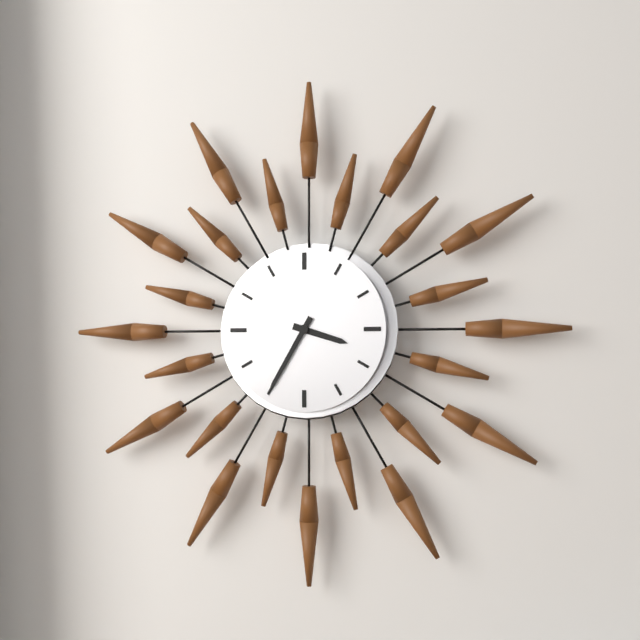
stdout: 3:35
